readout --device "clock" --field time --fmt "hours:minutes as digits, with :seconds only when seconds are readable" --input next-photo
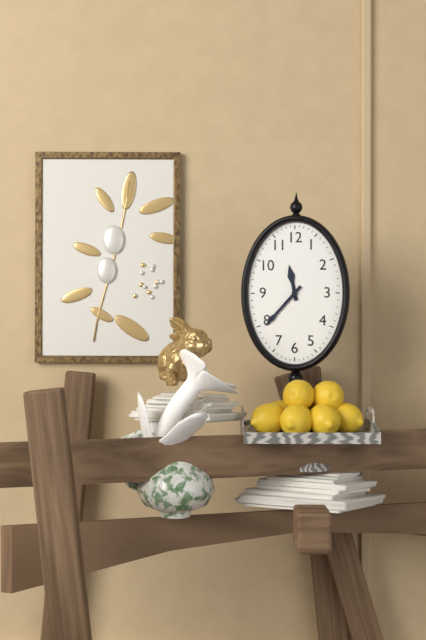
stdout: 11:37
